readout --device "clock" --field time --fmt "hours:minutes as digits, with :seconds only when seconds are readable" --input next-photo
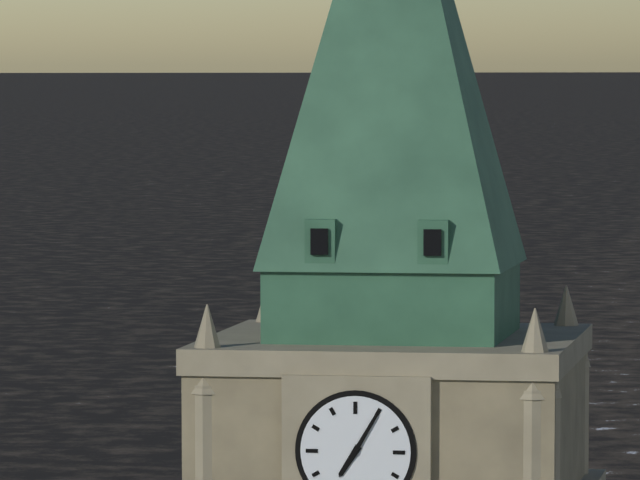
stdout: 7:05
